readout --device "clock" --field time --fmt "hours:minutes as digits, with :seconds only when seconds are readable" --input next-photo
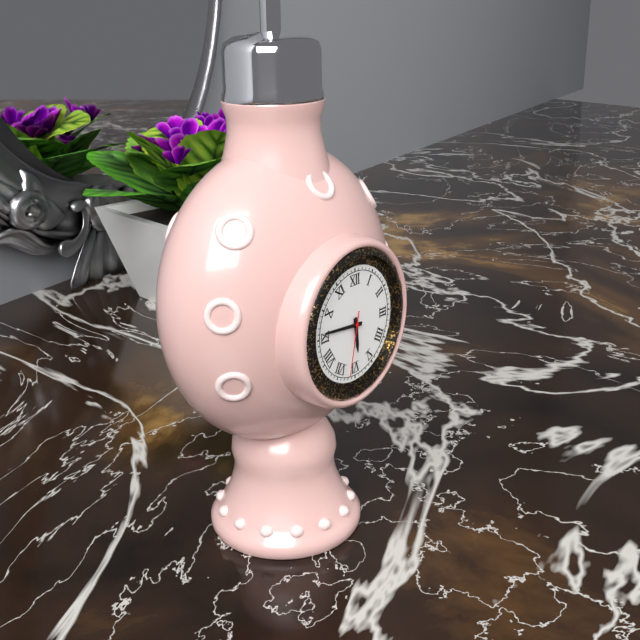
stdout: 5:46:32
